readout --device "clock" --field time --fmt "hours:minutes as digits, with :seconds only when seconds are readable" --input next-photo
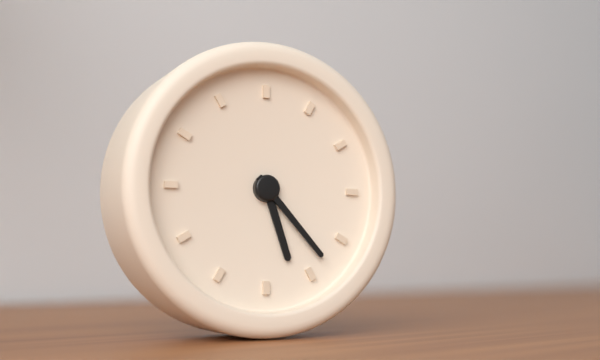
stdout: 5:23
